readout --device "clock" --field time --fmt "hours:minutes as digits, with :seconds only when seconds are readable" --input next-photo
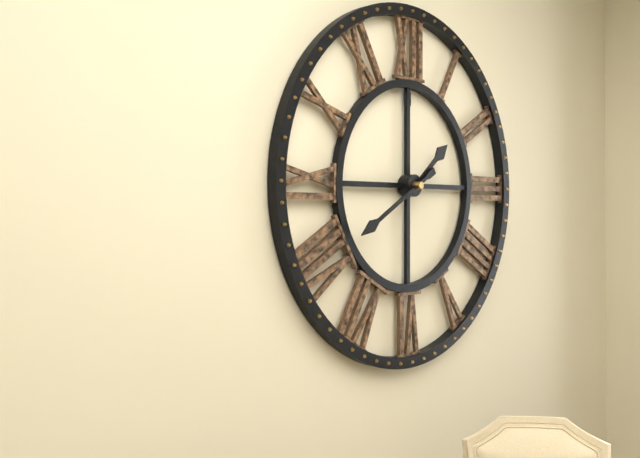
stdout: 1:40
